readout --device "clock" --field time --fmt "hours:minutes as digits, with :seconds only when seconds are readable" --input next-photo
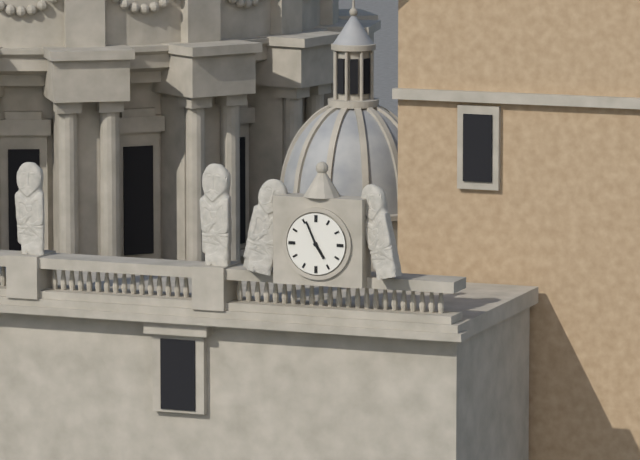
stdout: 4:56
